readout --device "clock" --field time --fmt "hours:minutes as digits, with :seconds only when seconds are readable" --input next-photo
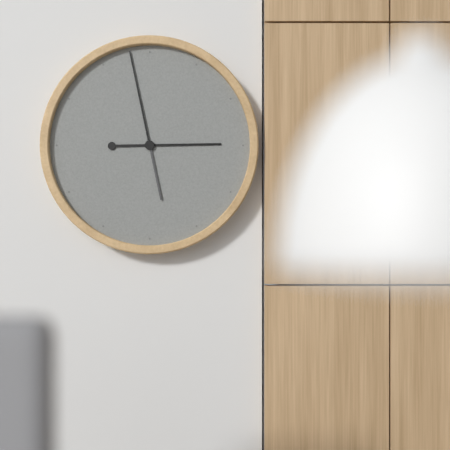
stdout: 2:58
